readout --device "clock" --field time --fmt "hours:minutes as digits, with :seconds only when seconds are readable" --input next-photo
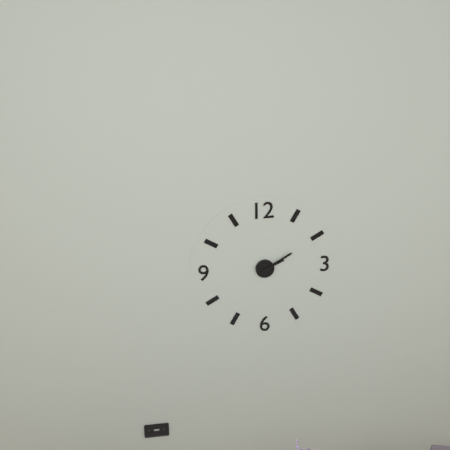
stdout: 2:10
